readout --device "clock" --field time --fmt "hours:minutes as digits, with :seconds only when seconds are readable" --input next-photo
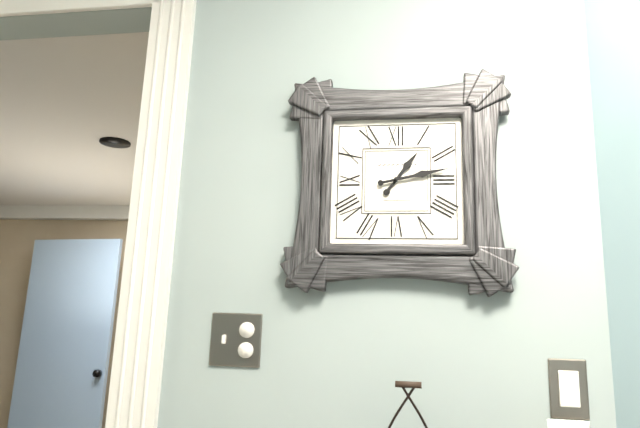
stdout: 1:13
